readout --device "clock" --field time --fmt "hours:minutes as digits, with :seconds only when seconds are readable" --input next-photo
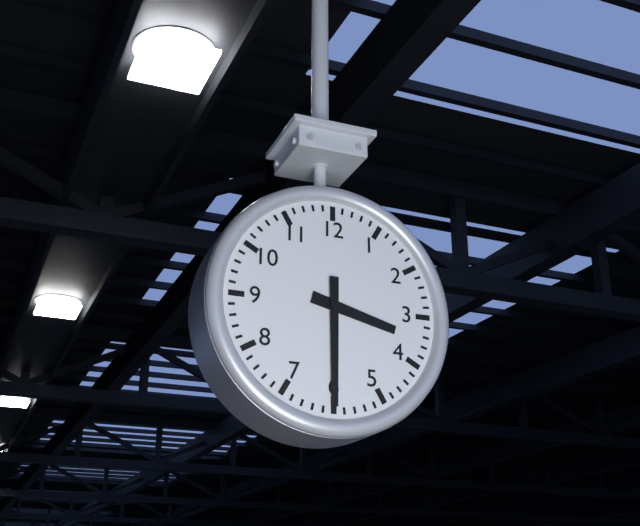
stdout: 3:30
